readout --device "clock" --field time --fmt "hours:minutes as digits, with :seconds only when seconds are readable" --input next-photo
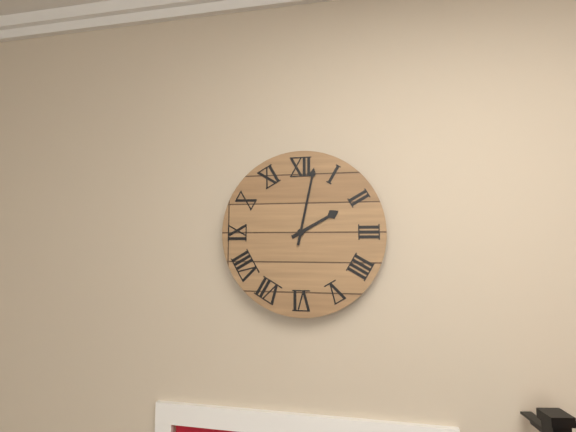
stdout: 2:02
